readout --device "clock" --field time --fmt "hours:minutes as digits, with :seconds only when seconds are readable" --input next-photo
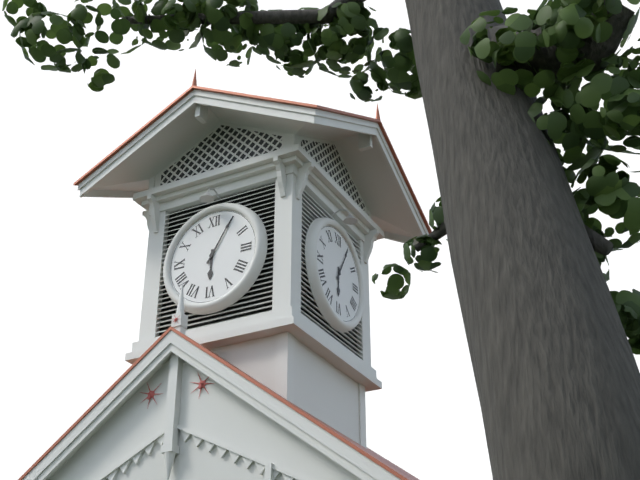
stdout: 6:05
